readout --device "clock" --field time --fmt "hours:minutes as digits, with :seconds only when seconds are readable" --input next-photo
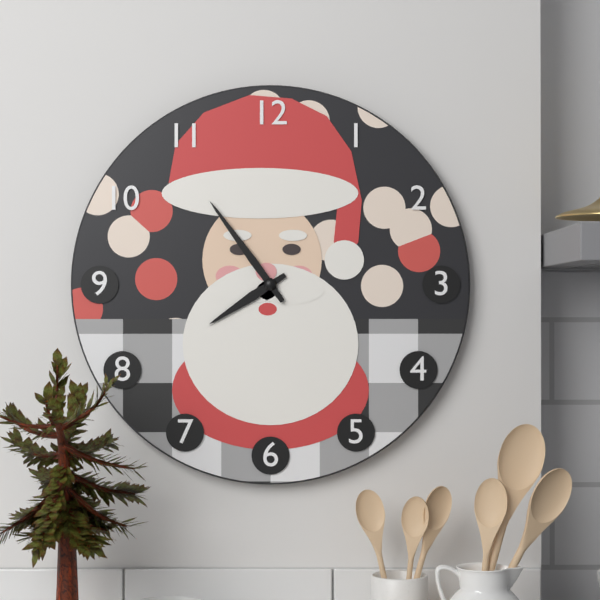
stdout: 7:54
